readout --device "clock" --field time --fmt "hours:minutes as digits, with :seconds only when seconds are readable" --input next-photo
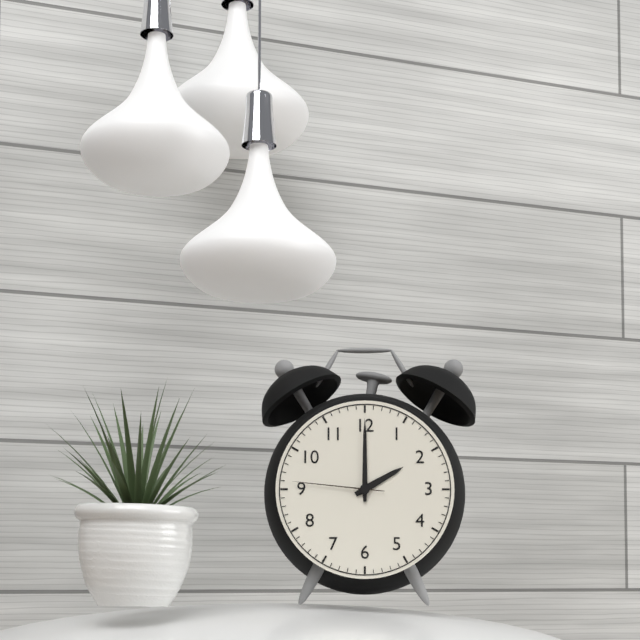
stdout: 2:00:46
